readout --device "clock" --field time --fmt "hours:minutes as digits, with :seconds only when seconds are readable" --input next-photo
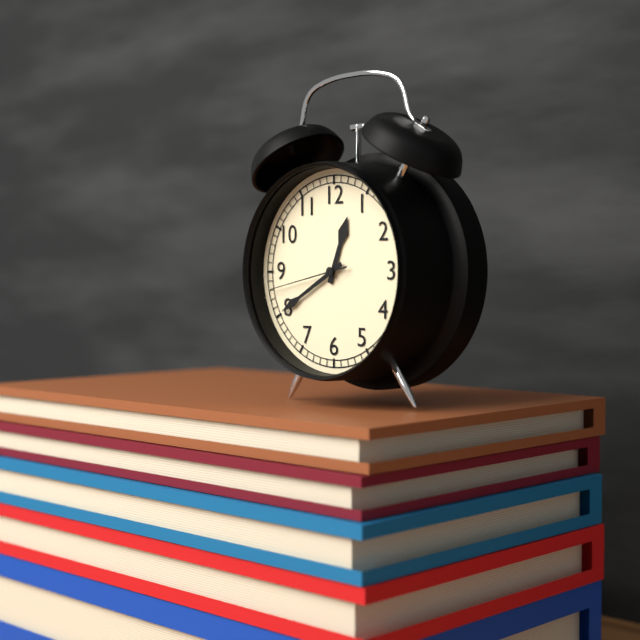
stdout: 12:40:43
